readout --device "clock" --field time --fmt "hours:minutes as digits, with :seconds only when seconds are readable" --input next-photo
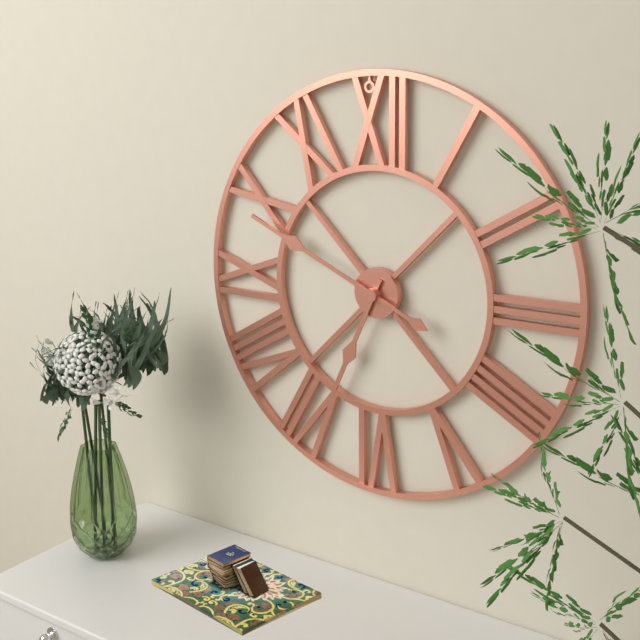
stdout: 6:49
